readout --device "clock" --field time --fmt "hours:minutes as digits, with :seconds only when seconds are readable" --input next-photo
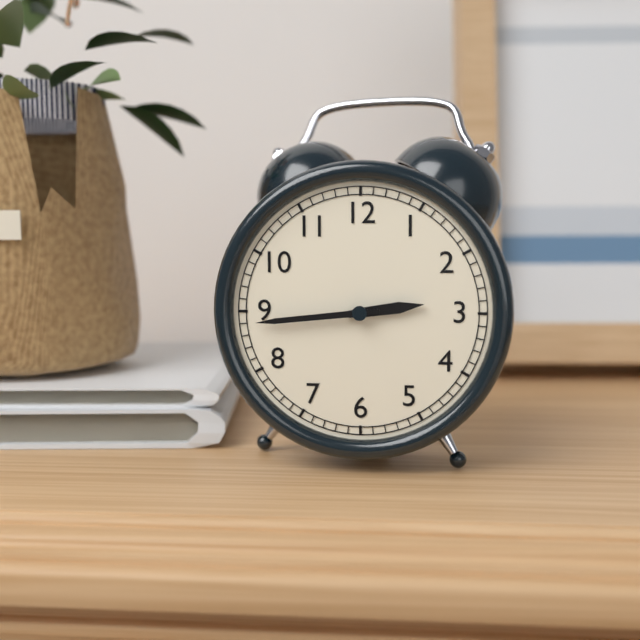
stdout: 2:44
